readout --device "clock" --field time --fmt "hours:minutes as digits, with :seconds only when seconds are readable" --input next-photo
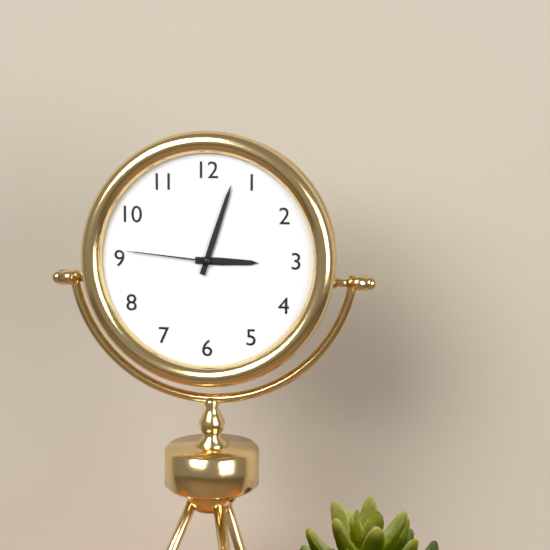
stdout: 3:03:46
